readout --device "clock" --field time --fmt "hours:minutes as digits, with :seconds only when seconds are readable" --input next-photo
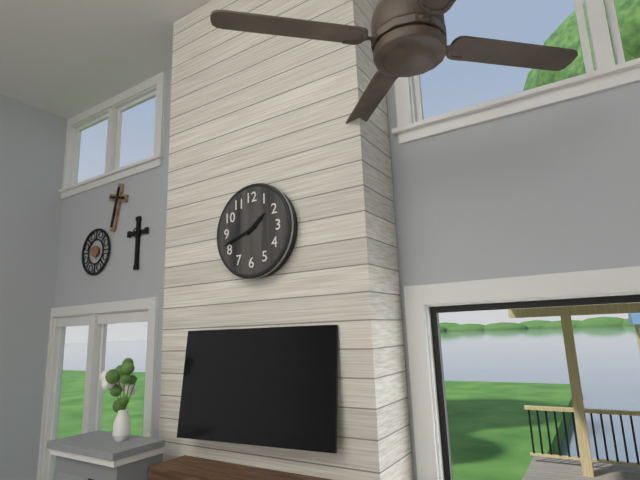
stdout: 1:42
